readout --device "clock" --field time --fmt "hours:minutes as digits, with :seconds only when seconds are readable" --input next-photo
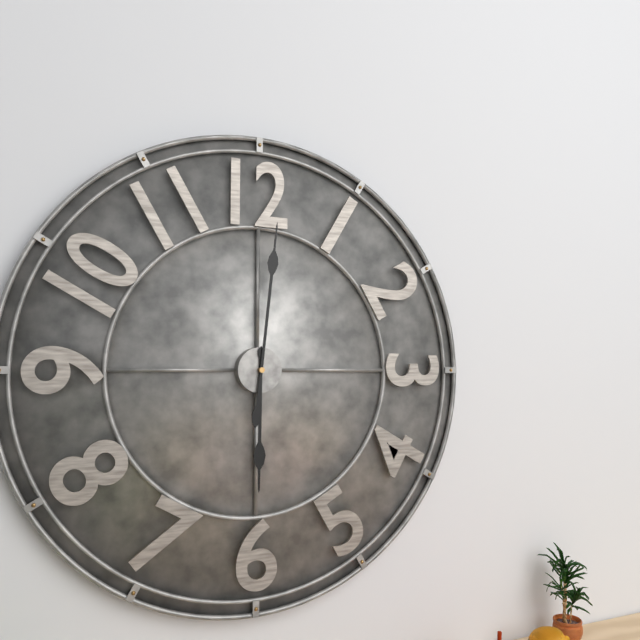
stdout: 6:01
